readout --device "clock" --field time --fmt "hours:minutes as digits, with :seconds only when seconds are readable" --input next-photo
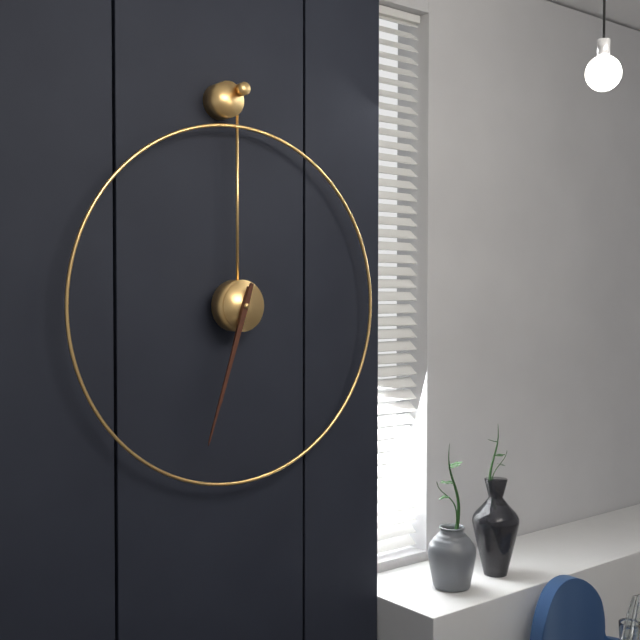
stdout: 6:33
